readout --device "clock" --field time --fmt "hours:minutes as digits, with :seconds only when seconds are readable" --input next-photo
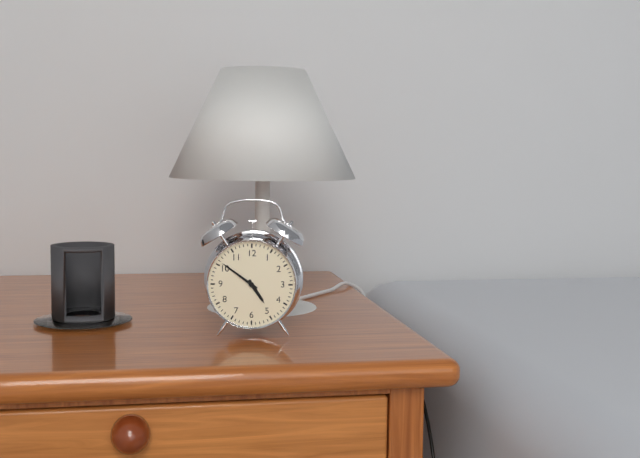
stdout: 4:51
